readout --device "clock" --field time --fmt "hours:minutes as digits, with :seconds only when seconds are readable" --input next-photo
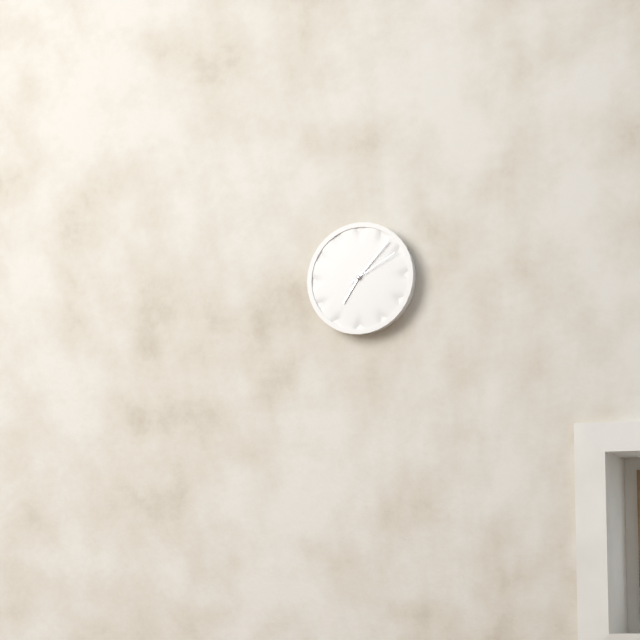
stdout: 7:07:10
